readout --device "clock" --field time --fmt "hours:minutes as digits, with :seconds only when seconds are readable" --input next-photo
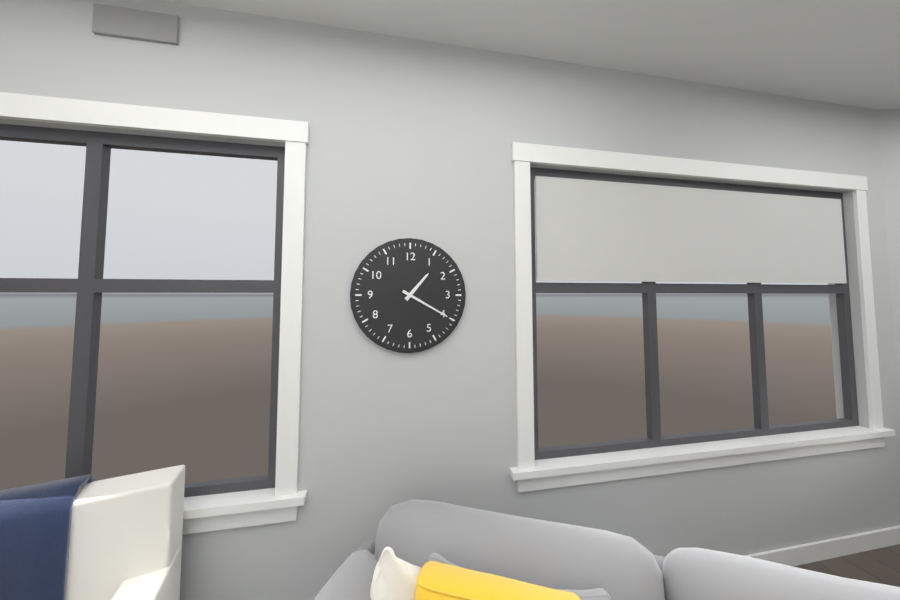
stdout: 1:20
